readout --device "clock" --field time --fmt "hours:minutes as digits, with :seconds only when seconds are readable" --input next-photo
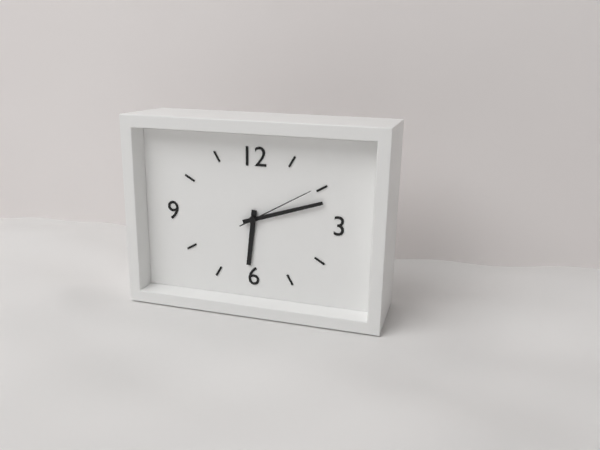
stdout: 6:12:10
